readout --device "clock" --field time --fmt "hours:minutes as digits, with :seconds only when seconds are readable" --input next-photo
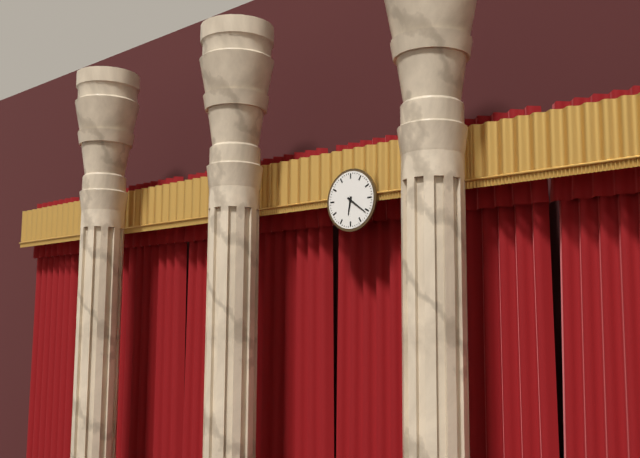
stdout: 6:21
